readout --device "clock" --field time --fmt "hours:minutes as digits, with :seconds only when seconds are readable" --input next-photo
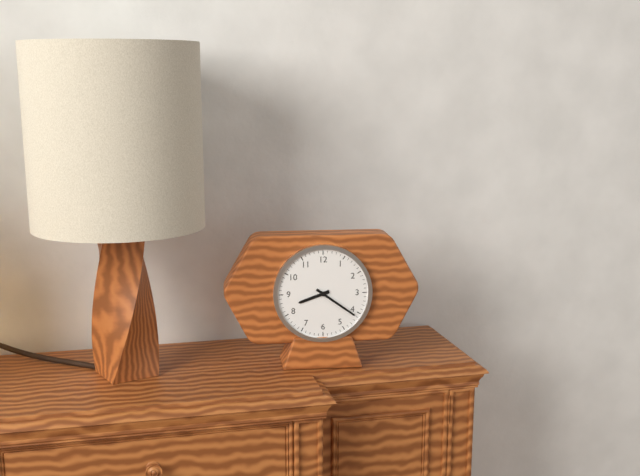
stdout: 8:21
